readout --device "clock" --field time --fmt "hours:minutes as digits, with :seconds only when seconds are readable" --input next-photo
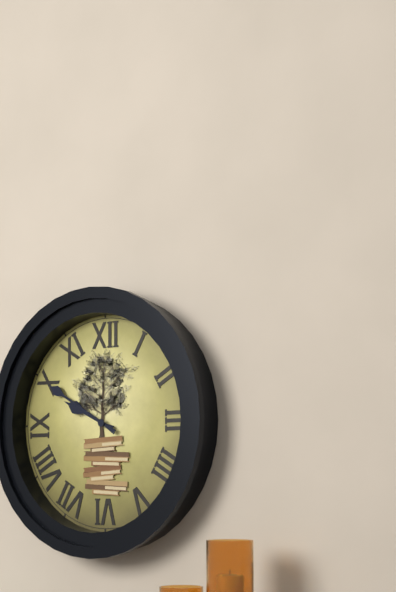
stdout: 9:50
